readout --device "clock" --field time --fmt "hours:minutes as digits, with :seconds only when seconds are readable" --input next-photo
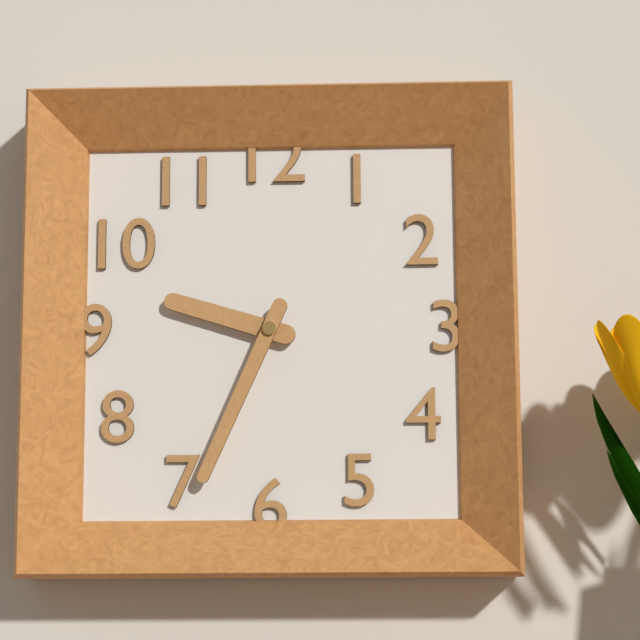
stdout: 9:34
